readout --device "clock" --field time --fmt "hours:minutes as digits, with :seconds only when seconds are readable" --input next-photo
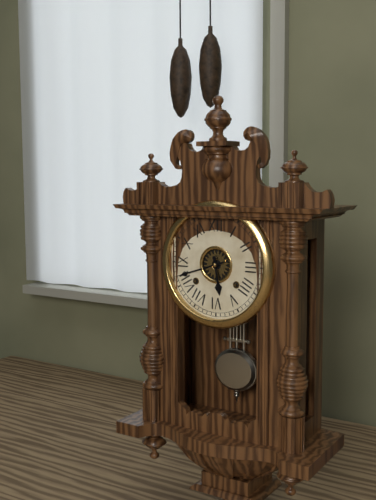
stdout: 5:42
